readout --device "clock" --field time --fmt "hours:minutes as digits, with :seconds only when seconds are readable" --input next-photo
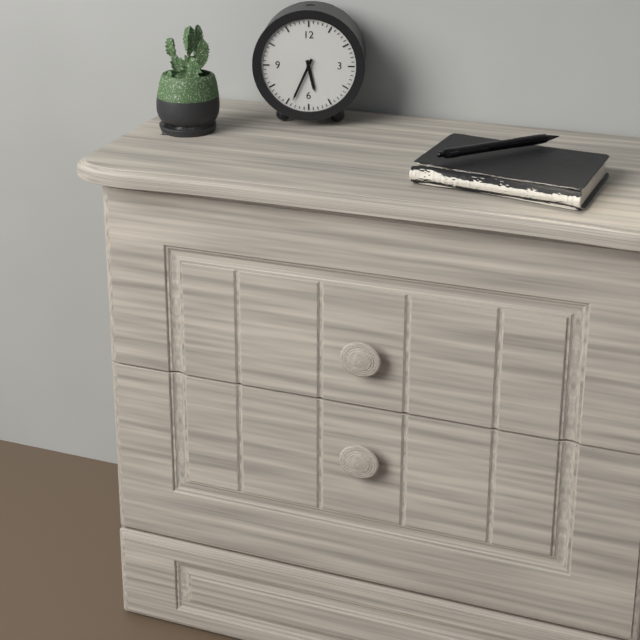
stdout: 5:34
